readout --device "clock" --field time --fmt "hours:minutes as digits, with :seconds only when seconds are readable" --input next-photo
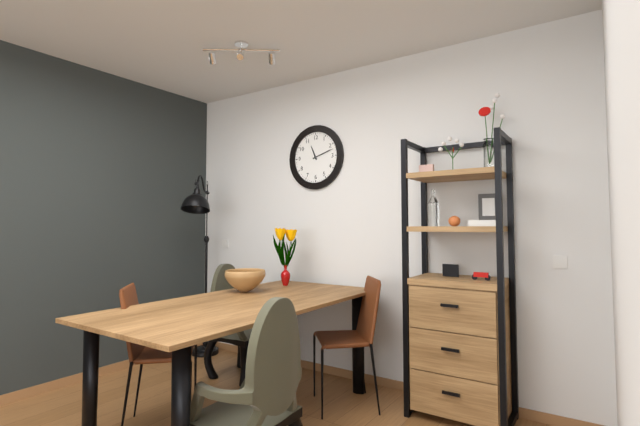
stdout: 11:12
